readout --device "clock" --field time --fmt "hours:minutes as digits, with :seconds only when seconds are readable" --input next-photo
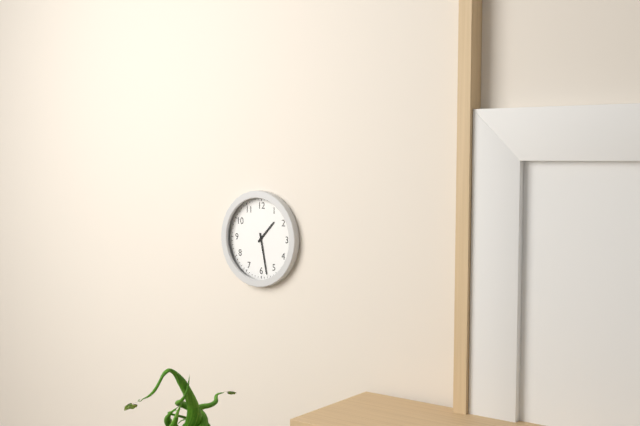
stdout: 1:28
